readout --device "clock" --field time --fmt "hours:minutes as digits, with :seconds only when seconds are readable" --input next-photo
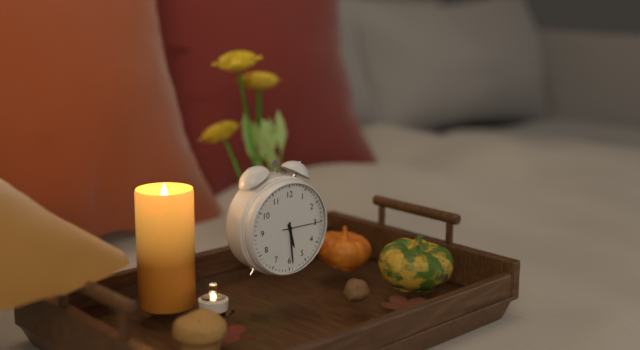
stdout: 5:29
